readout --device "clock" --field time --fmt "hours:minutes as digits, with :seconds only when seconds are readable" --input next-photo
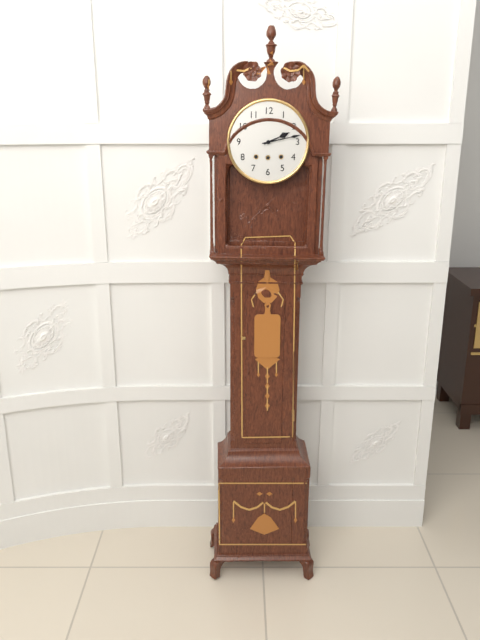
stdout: 2:13
